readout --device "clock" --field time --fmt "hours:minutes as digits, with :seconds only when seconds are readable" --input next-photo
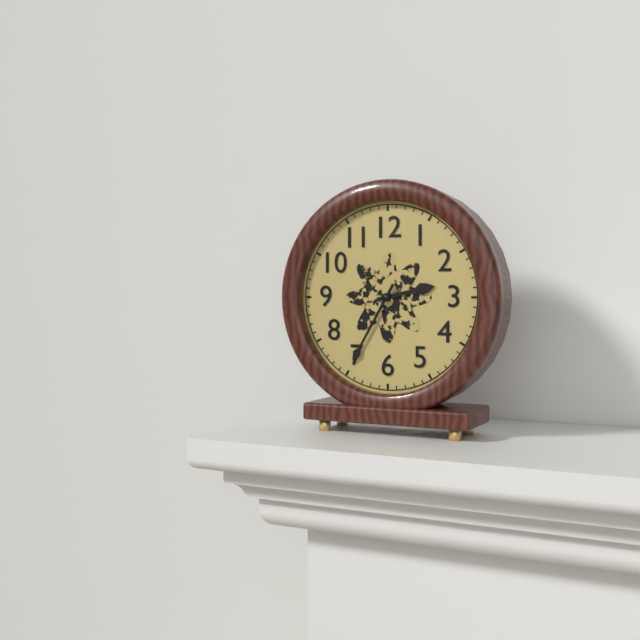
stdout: 2:35
